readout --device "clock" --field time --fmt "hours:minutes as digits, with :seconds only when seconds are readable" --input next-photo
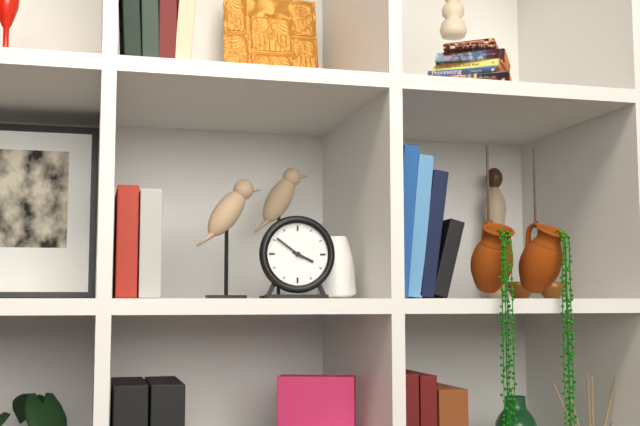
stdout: 3:51
